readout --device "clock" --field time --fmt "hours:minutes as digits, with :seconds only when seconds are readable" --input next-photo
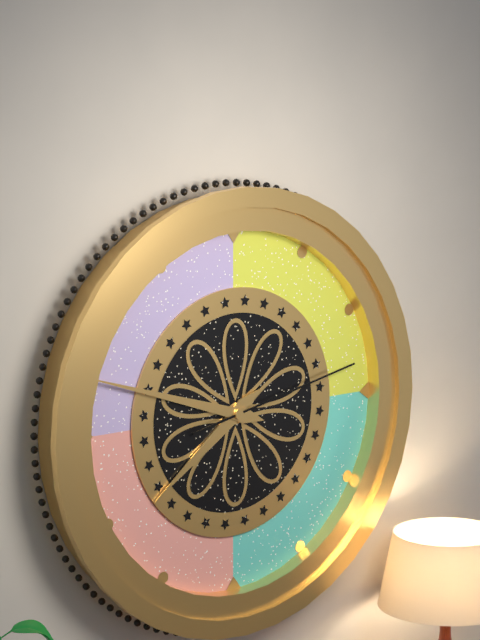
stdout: 7:48:13
